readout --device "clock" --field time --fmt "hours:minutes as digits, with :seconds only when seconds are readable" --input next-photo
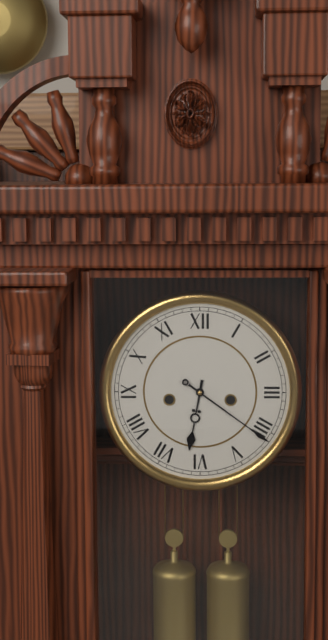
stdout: 6:21
